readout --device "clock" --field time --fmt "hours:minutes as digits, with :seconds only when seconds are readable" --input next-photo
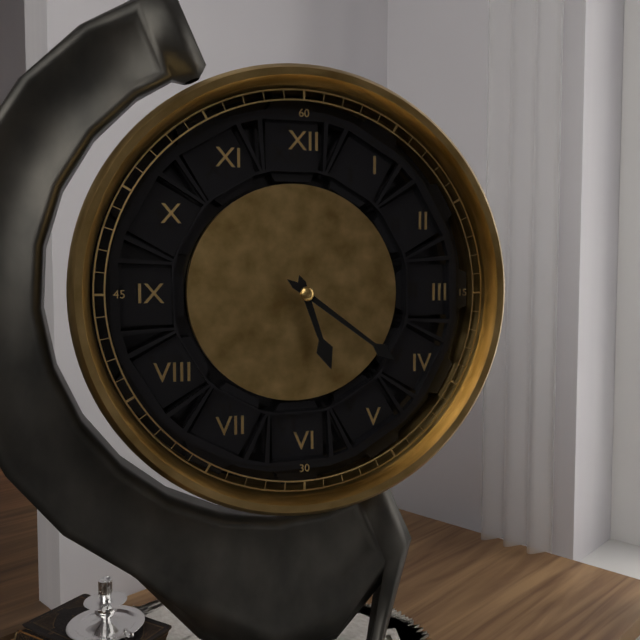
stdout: 5:21
